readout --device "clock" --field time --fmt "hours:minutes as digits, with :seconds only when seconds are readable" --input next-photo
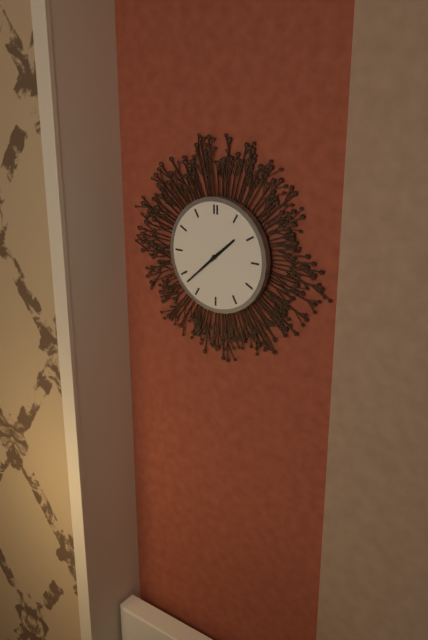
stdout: 1:38
